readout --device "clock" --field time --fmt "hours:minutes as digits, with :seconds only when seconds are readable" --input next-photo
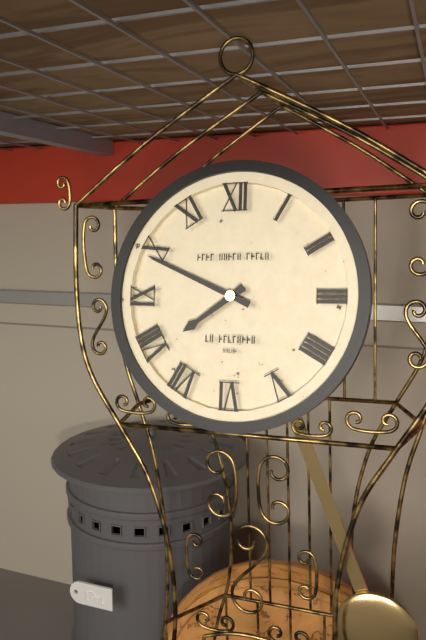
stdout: 7:49
